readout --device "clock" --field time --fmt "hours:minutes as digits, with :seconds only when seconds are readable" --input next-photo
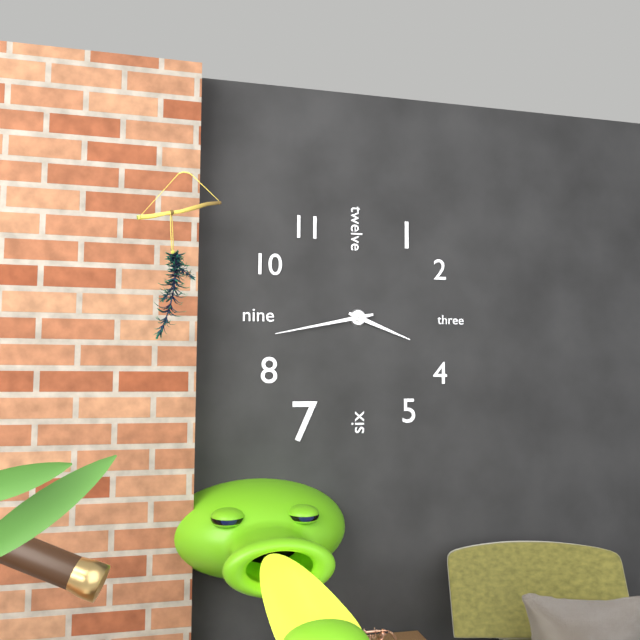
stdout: 3:43
